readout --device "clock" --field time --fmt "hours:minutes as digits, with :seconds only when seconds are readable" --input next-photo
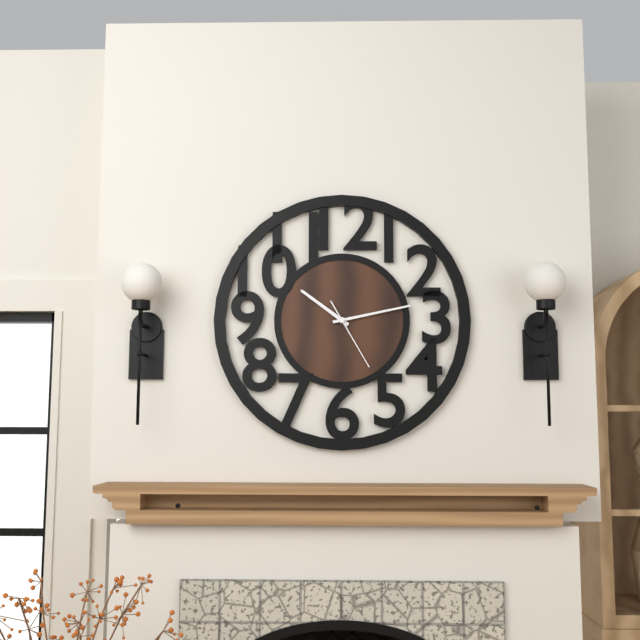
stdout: 10:13:25
